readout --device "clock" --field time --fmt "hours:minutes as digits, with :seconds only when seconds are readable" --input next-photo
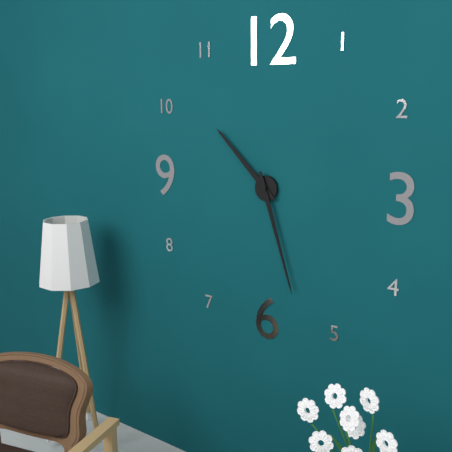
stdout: 10:27
